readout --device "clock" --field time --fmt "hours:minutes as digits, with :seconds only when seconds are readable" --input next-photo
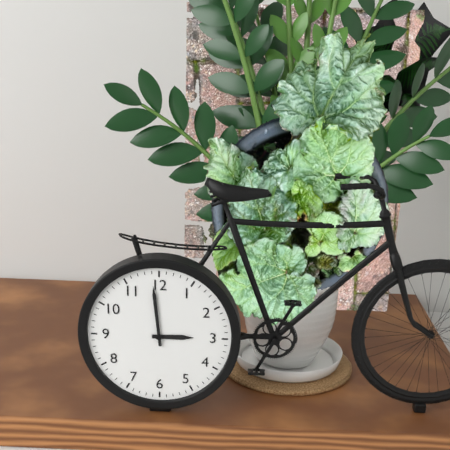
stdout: 2:59
